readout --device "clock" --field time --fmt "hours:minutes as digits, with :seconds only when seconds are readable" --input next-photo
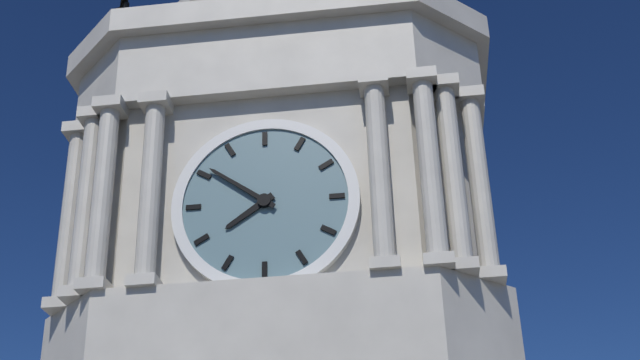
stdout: 7:51
